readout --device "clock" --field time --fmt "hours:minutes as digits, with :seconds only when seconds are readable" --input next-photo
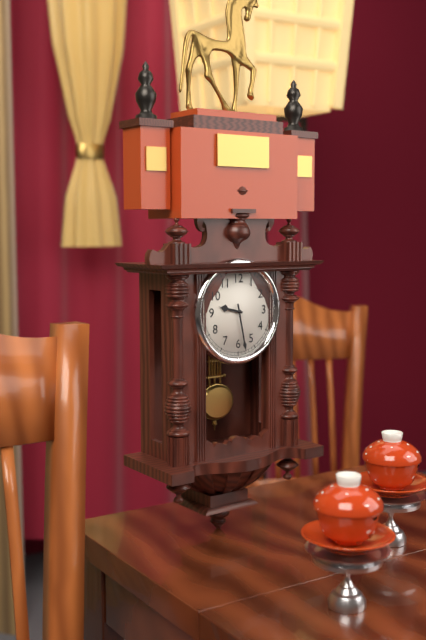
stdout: 9:28
